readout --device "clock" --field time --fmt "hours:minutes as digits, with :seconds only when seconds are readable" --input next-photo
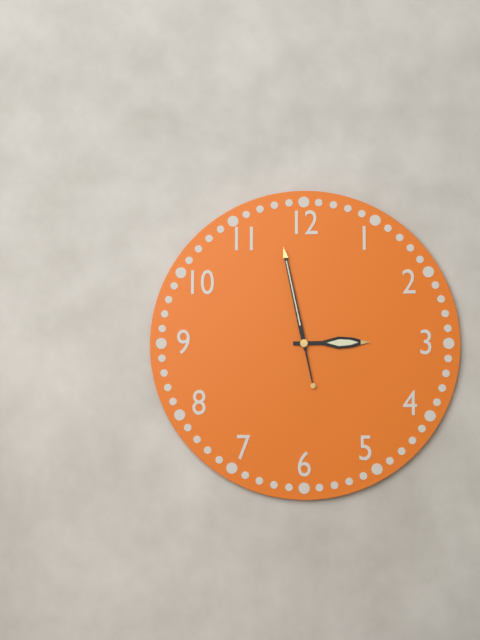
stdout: 2:58
